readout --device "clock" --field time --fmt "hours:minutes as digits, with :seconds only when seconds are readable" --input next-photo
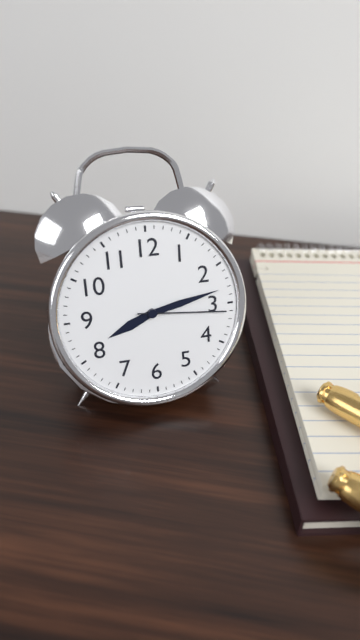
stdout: 8:13:16
